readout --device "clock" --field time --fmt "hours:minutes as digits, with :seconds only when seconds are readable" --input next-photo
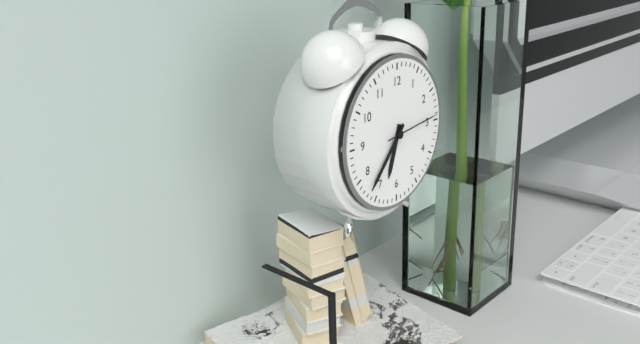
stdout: 6:37:14
